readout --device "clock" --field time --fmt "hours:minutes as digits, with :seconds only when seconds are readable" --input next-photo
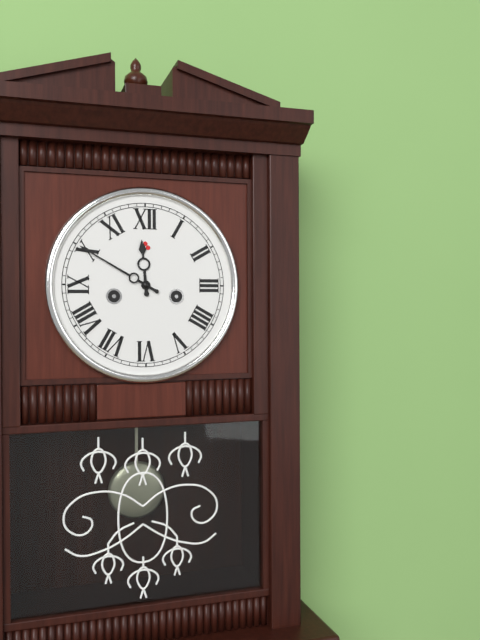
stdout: 11:50
